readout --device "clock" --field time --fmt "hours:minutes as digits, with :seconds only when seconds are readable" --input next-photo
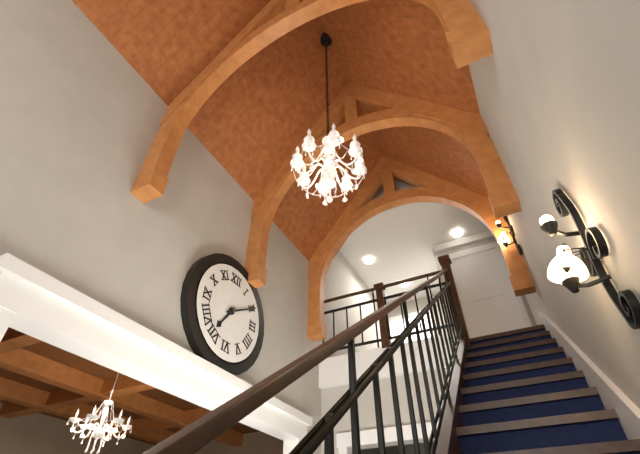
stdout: 7:10
